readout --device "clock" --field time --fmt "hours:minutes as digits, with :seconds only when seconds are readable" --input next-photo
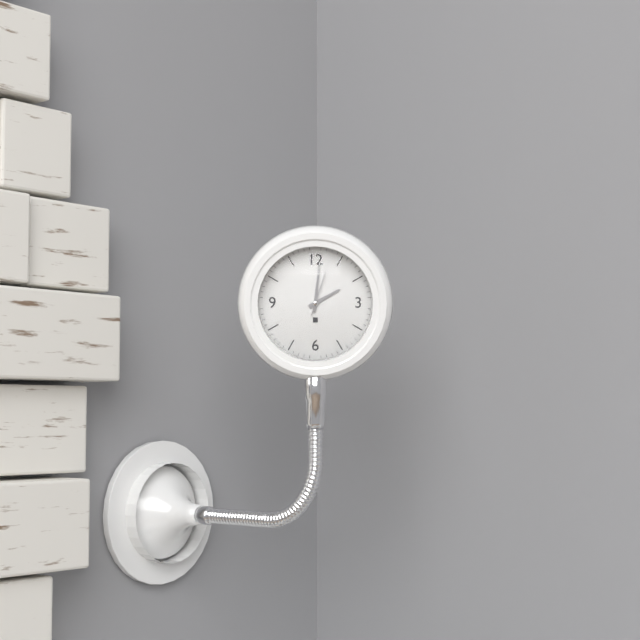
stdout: 2:01:03
